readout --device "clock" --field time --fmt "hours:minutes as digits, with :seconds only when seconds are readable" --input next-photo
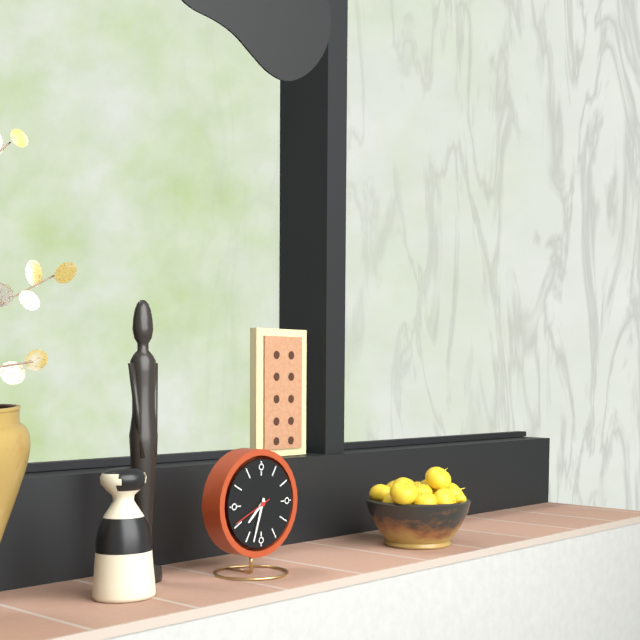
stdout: 7:33
